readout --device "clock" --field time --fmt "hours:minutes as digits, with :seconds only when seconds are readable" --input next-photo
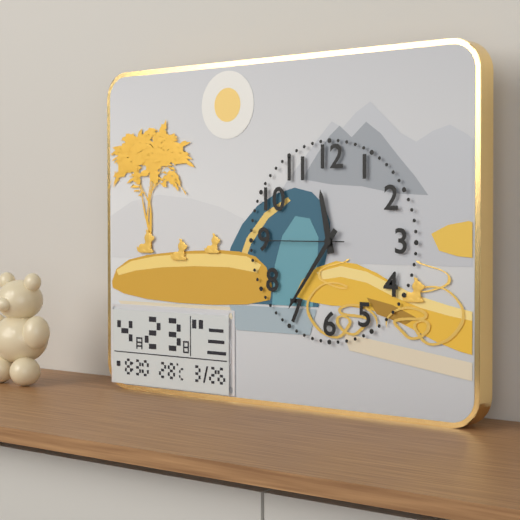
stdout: 11:36:45
